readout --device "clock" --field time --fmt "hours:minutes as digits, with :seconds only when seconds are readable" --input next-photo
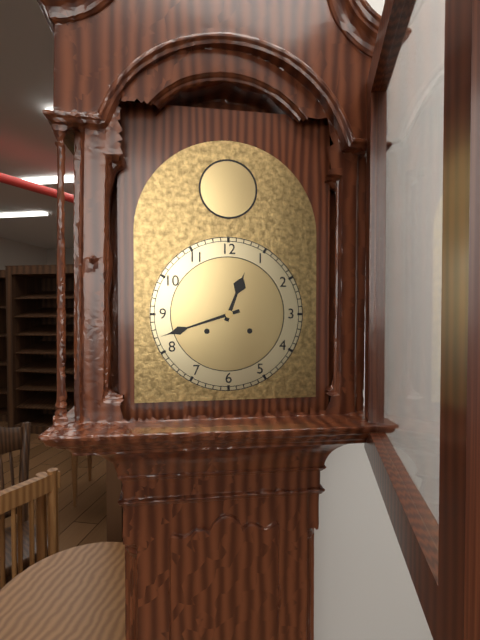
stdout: 12:42
